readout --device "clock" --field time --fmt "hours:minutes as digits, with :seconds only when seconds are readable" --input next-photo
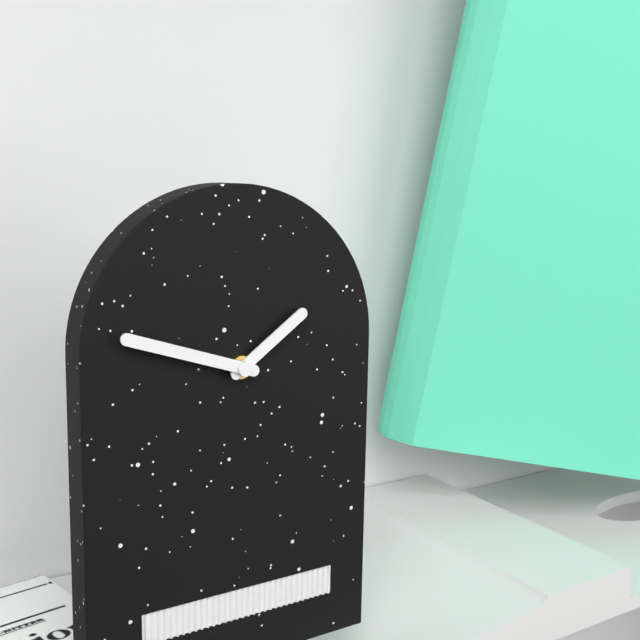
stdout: 1:48
